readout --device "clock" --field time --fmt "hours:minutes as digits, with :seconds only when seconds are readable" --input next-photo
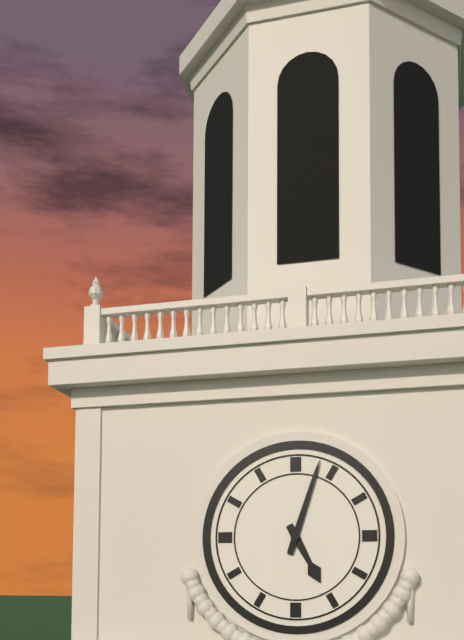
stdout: 5:03
